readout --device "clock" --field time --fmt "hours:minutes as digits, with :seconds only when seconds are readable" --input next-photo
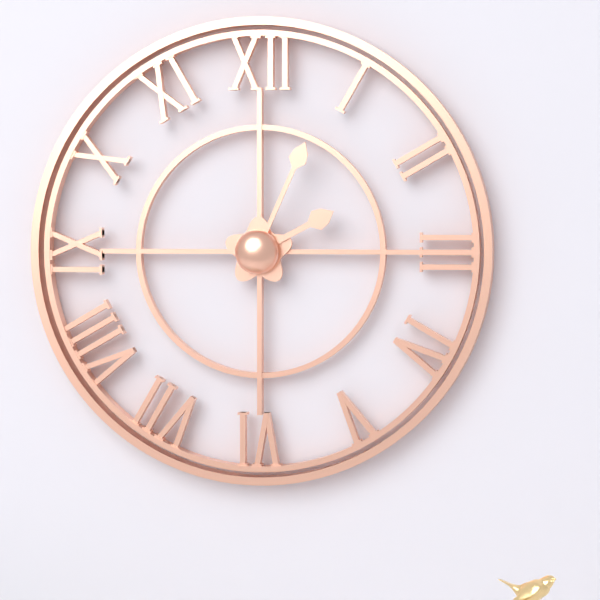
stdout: 2:04
